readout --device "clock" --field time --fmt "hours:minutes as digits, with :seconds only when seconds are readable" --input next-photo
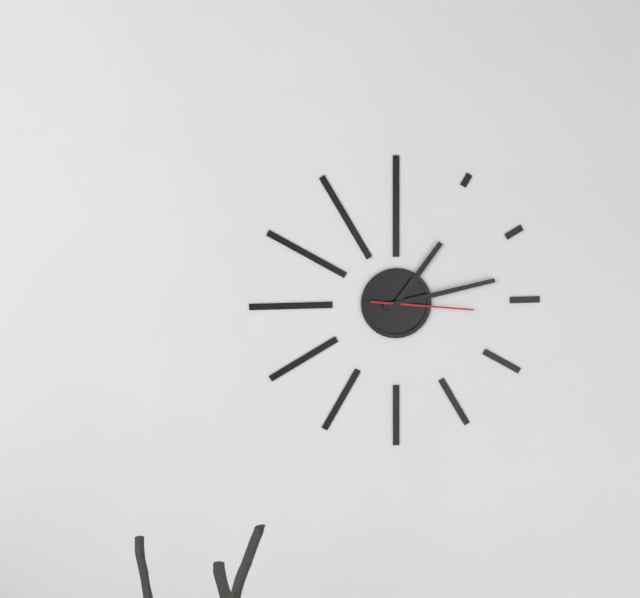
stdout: 1:13:16
